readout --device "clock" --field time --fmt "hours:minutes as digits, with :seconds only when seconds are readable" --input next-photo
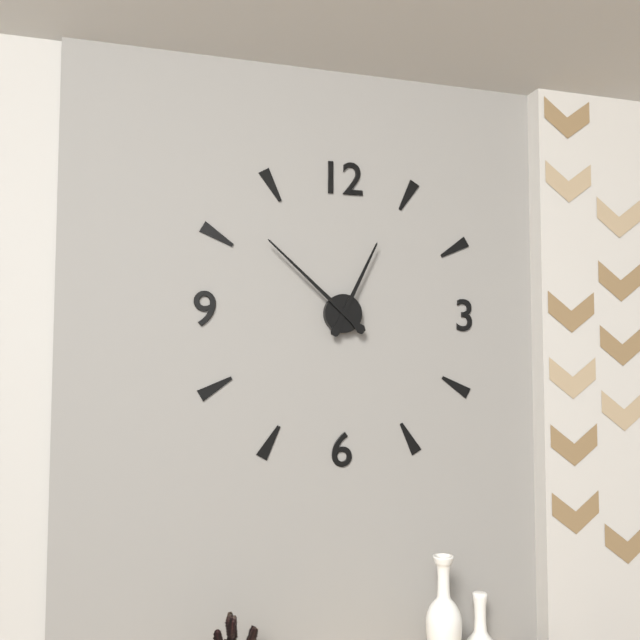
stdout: 12:52
